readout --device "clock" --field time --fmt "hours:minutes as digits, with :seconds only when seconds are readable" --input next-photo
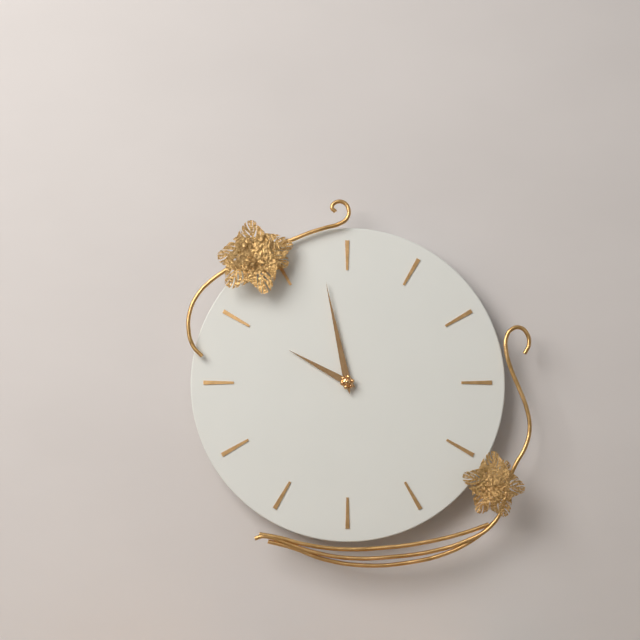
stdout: 9:58
